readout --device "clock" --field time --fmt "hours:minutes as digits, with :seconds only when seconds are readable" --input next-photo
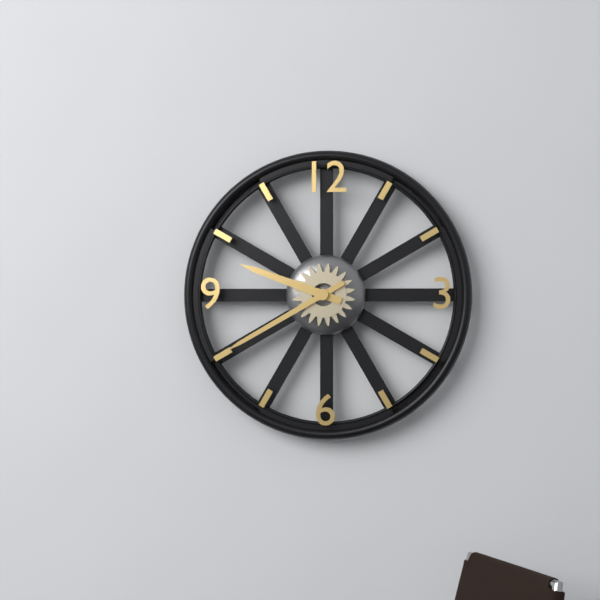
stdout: 9:40
